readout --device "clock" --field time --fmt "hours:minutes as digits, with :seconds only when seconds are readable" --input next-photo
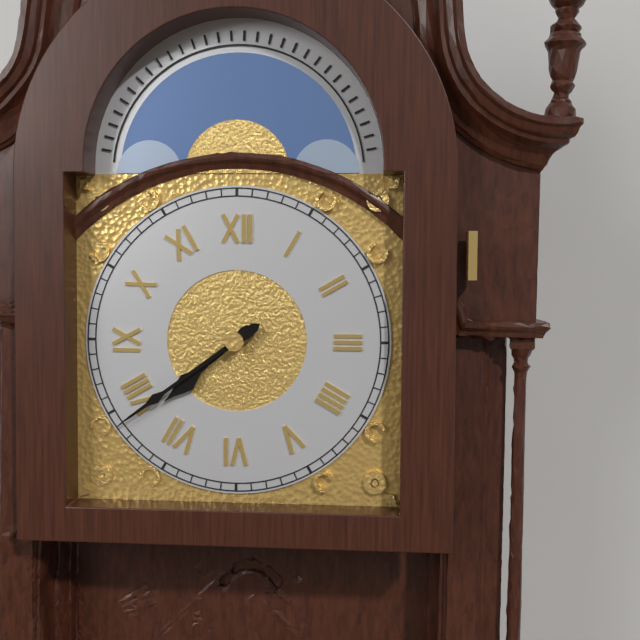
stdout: 7:39
